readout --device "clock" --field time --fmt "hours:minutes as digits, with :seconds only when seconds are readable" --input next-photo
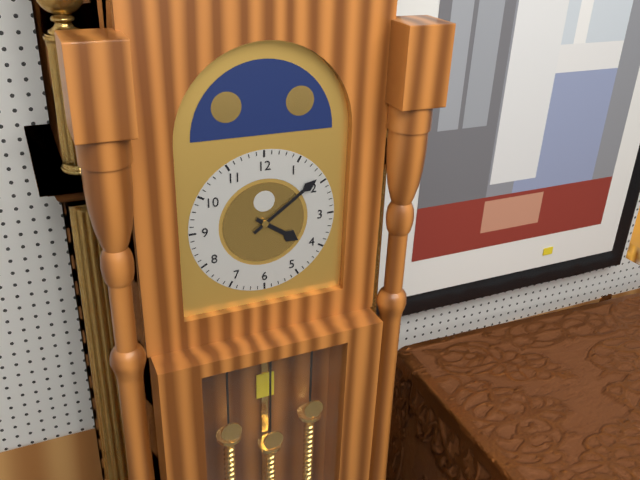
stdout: 4:09
